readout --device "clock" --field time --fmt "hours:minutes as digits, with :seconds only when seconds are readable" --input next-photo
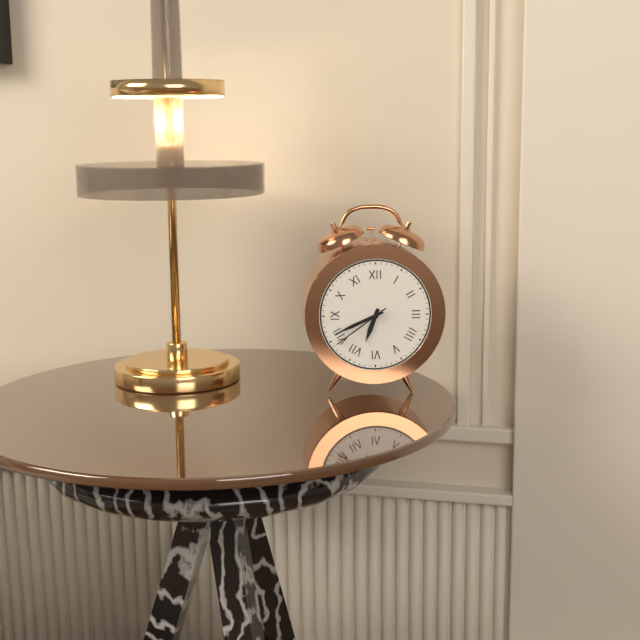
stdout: 6:41:39
